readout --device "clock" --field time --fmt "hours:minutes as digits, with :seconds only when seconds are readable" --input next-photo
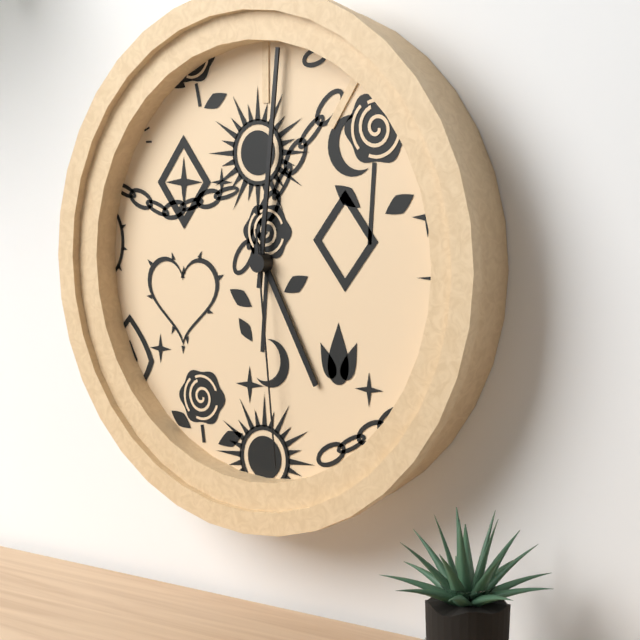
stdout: 5:01:29
